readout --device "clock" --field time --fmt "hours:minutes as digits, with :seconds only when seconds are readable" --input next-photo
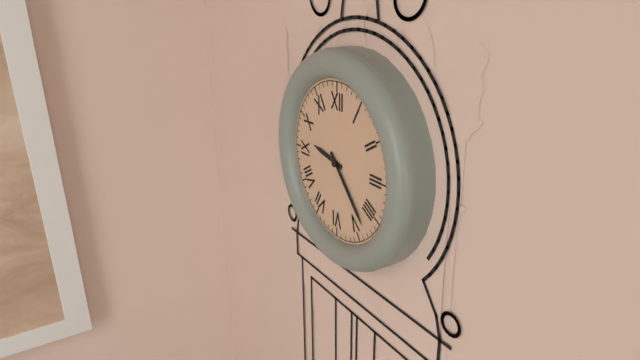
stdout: 9:23
